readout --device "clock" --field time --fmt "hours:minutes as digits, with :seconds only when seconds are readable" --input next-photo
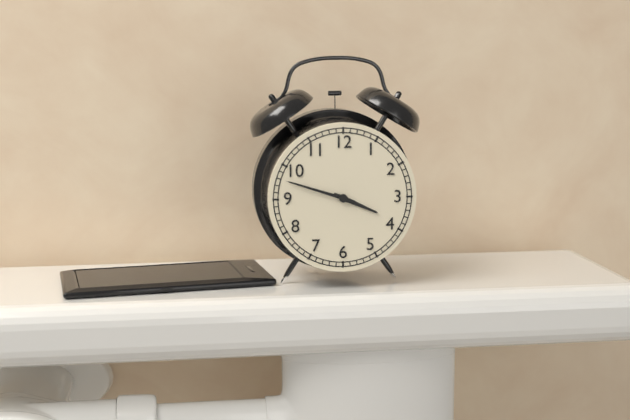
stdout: 3:48
